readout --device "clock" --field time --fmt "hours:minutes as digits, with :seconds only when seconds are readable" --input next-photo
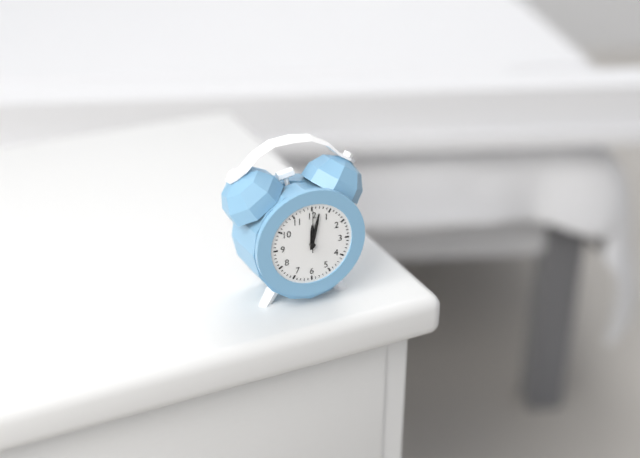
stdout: 12:02
